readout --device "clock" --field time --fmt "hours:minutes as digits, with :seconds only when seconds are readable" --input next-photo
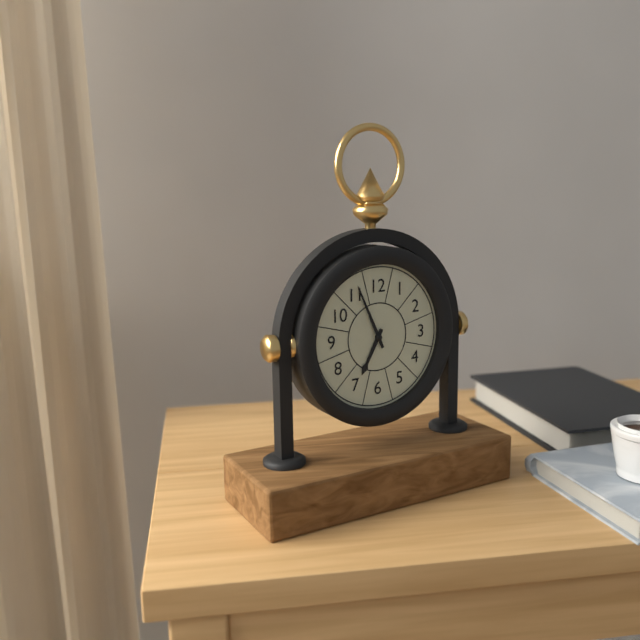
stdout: 6:56
